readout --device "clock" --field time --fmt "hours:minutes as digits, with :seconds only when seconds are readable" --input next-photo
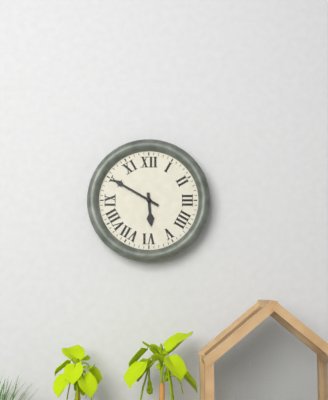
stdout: 5:50
